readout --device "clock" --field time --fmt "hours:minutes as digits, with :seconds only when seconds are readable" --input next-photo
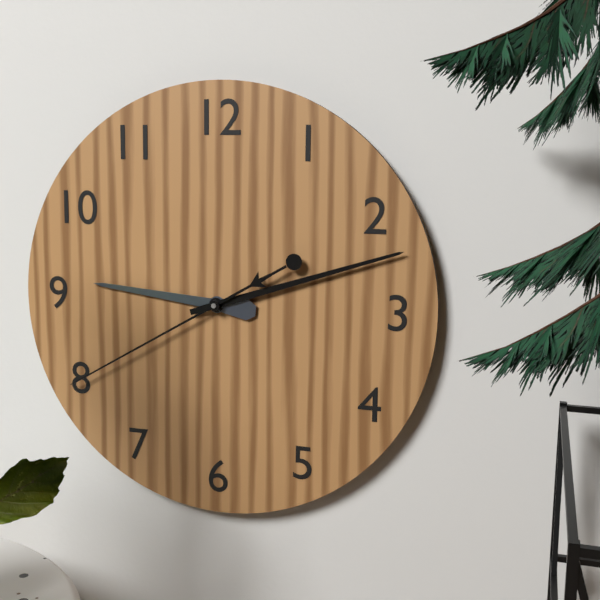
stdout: 9:12:40
